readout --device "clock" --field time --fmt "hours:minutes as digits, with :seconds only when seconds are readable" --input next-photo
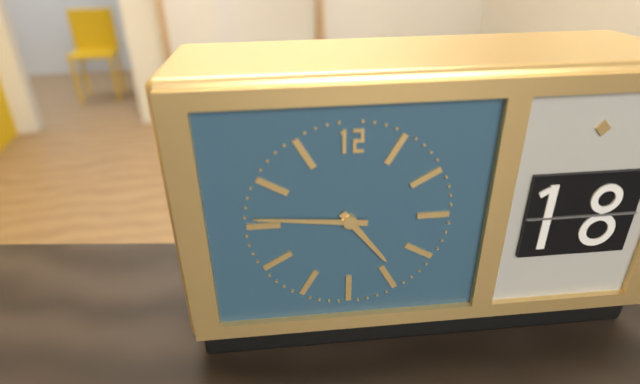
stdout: 4:46
